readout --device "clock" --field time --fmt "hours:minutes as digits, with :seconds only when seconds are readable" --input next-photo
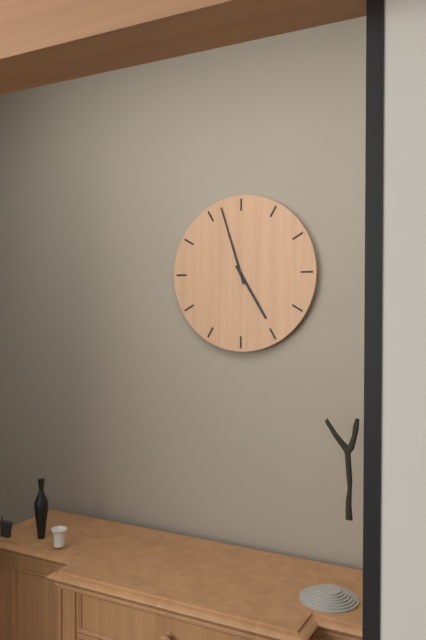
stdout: 4:57
